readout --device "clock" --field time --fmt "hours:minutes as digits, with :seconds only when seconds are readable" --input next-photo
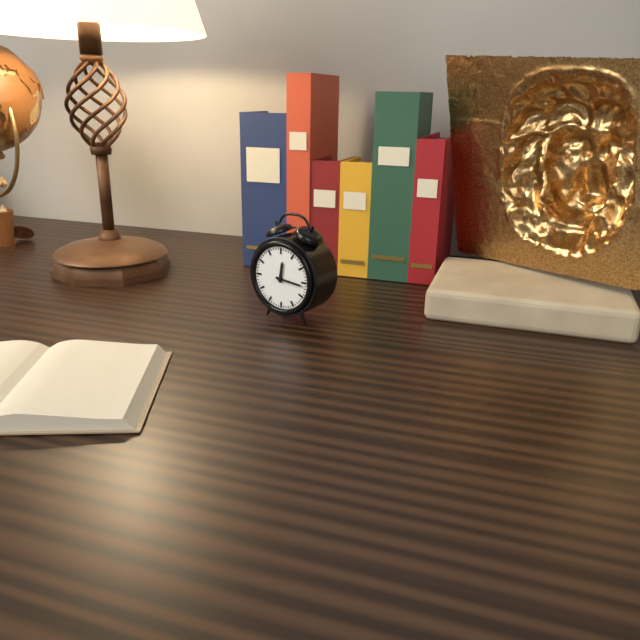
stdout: 12:16
